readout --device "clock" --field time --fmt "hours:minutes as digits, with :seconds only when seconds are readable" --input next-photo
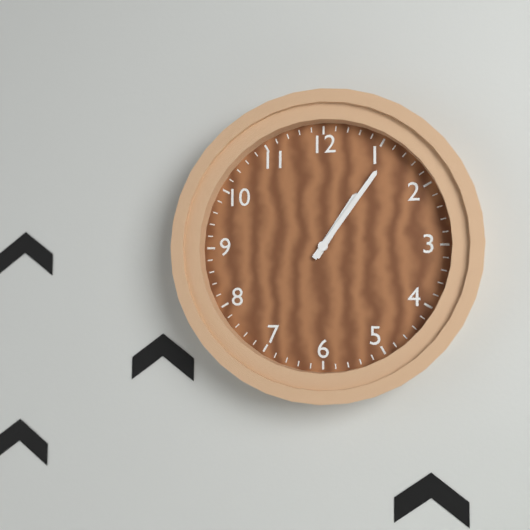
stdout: 1:06
